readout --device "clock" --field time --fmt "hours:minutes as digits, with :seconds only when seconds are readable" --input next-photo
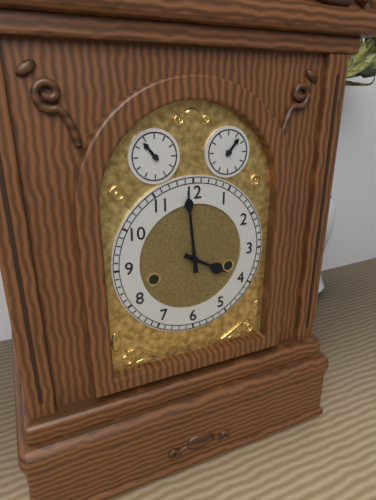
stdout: 3:59
